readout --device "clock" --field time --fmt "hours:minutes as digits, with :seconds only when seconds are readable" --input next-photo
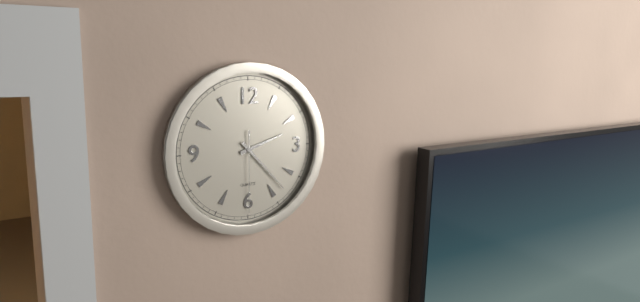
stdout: 2:23:30
